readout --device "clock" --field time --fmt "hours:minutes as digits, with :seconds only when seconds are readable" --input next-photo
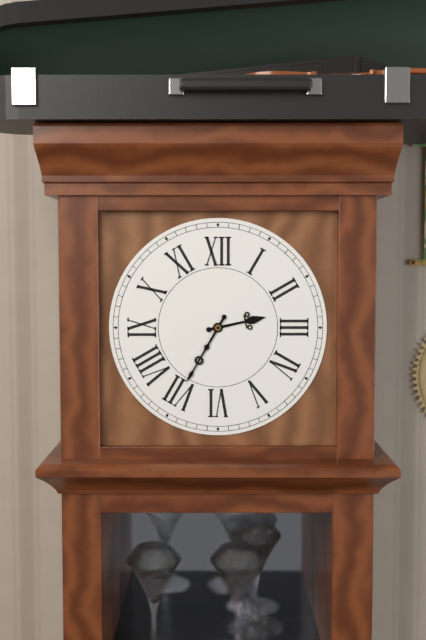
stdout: 2:35
